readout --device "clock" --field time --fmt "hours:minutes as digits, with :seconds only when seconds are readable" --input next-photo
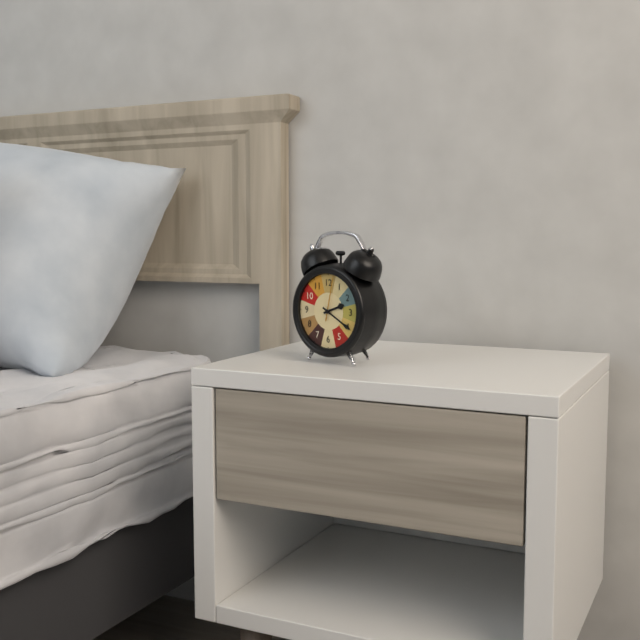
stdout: 2:20
